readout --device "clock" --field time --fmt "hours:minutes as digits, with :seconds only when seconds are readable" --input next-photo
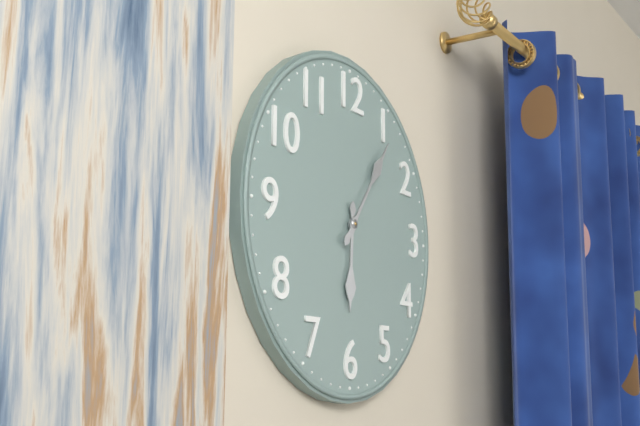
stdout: 6:06
